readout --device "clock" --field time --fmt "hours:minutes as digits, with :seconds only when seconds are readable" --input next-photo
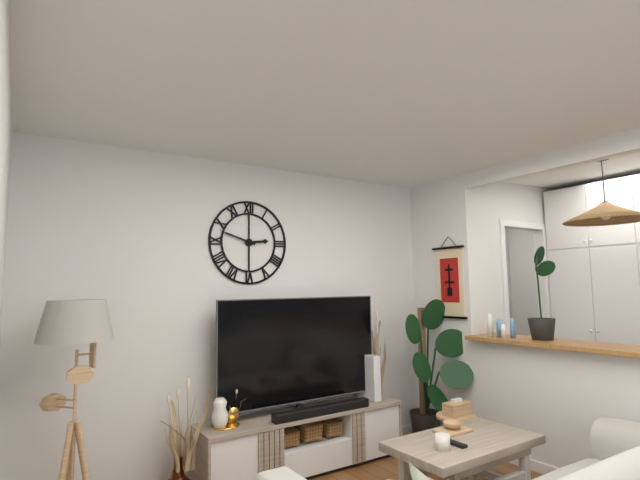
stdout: 2:48
